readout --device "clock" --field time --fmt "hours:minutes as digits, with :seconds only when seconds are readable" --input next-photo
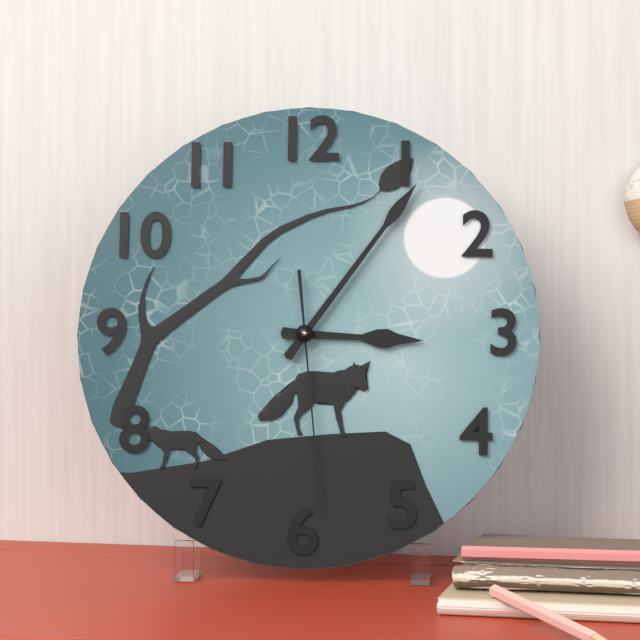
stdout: 3:06:29
